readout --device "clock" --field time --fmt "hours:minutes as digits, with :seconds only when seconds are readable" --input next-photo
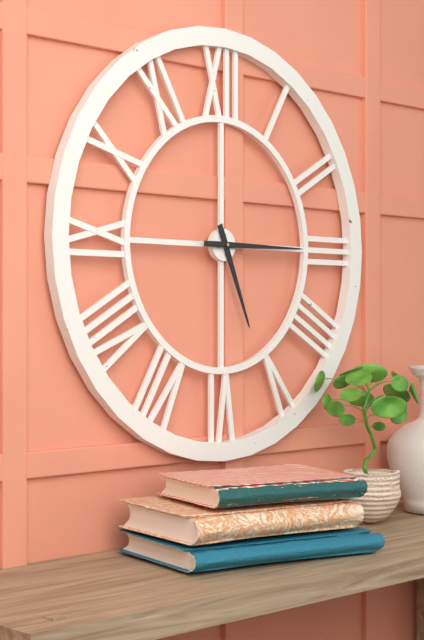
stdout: 5:15
